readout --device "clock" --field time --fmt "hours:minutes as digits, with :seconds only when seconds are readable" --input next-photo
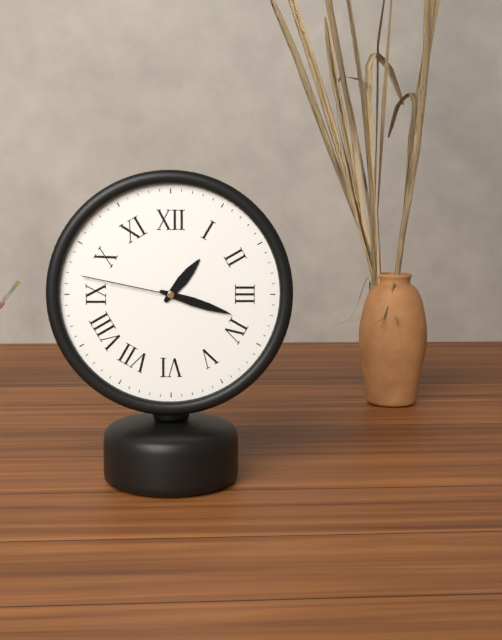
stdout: 1:18:47
